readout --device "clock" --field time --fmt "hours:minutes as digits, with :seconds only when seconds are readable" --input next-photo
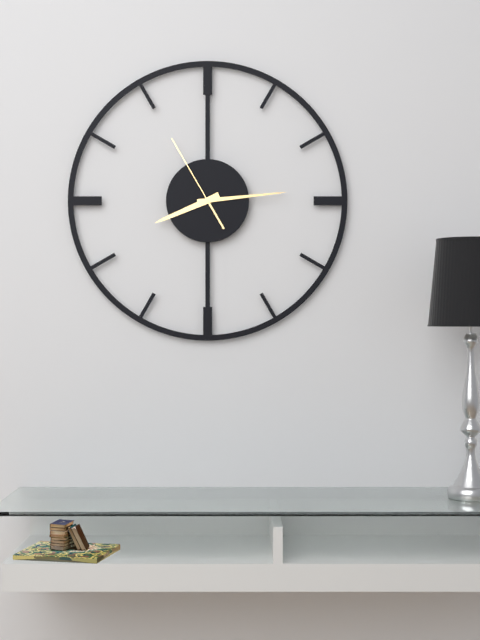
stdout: 8:14:55
